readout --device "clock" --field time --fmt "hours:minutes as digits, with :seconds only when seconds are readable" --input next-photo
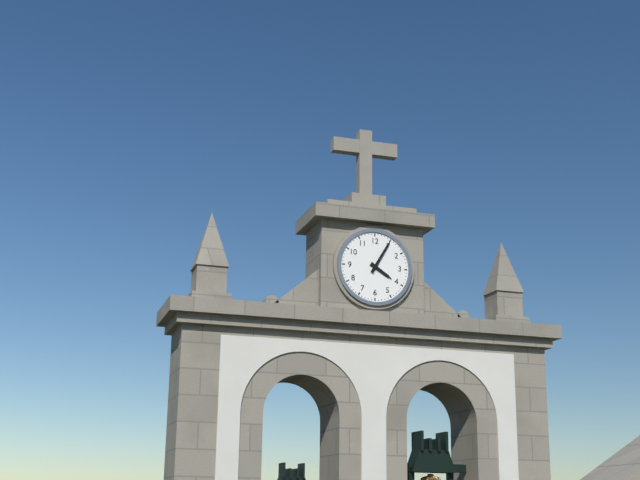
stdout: 4:05
